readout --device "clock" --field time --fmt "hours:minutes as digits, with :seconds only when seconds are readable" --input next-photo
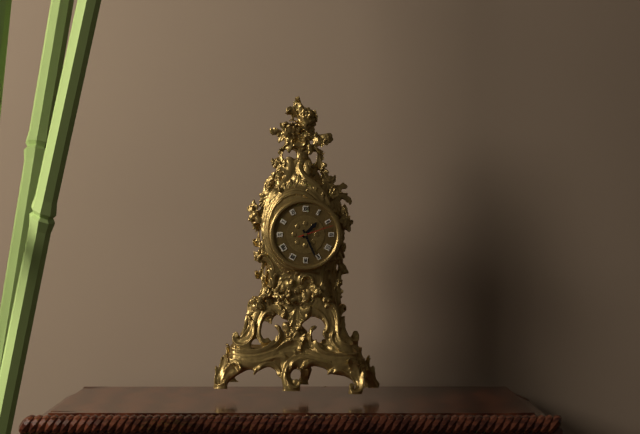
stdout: 1:26
